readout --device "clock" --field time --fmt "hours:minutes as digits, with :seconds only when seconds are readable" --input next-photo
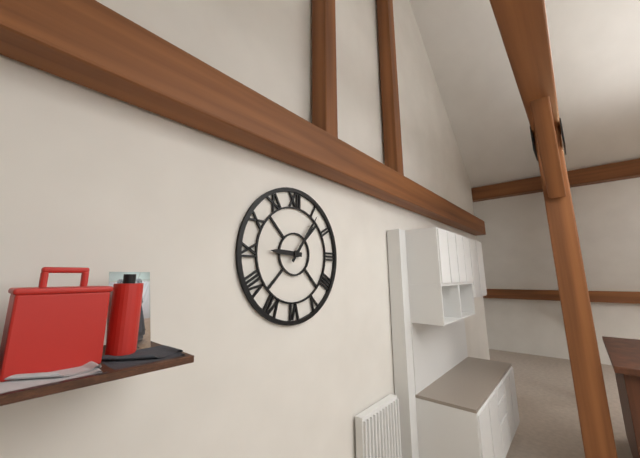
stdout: 9:06
